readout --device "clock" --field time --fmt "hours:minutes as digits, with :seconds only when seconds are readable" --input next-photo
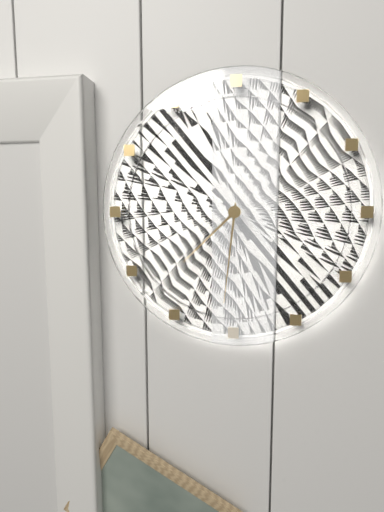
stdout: 7:31
